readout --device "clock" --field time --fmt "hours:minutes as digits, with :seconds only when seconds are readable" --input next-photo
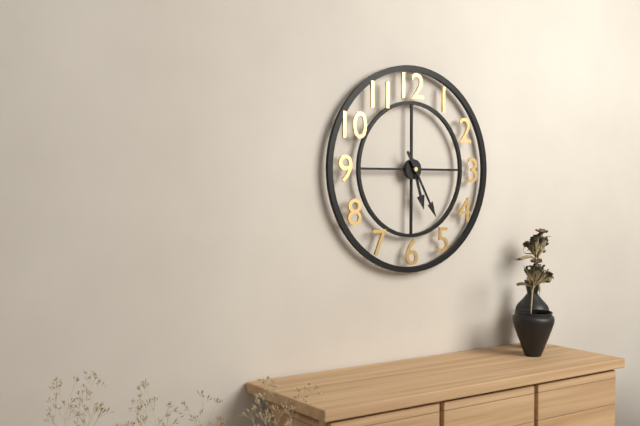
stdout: 5:25
